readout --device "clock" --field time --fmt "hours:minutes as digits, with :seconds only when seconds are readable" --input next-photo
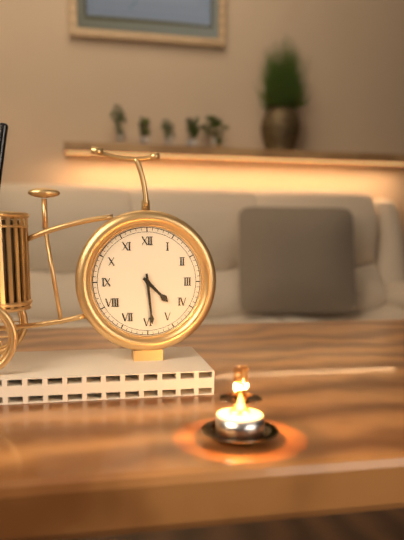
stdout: 4:29
